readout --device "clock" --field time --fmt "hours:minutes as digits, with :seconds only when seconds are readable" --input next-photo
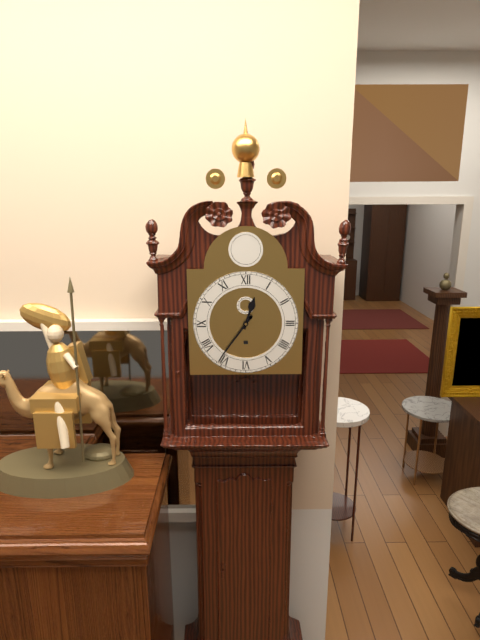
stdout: 12:36
